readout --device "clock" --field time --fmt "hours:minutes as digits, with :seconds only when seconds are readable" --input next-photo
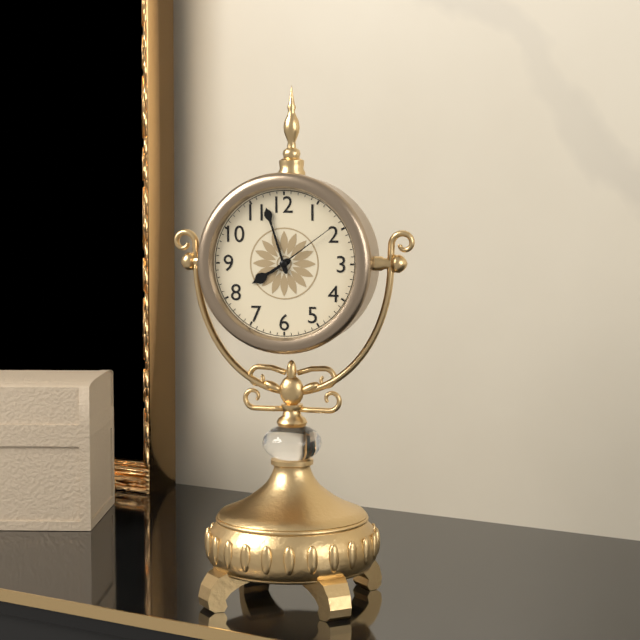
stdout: 7:57:09
